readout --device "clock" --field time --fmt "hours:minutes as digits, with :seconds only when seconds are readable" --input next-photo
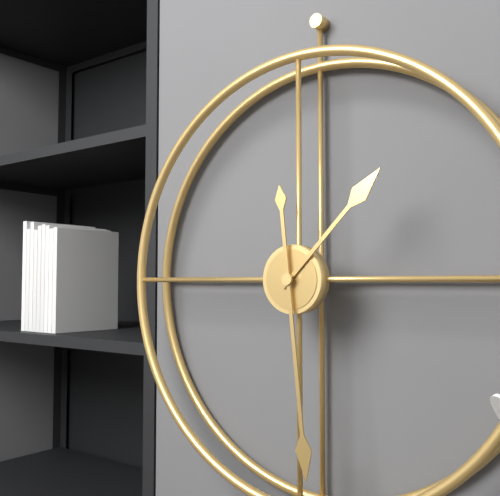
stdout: 1:29
